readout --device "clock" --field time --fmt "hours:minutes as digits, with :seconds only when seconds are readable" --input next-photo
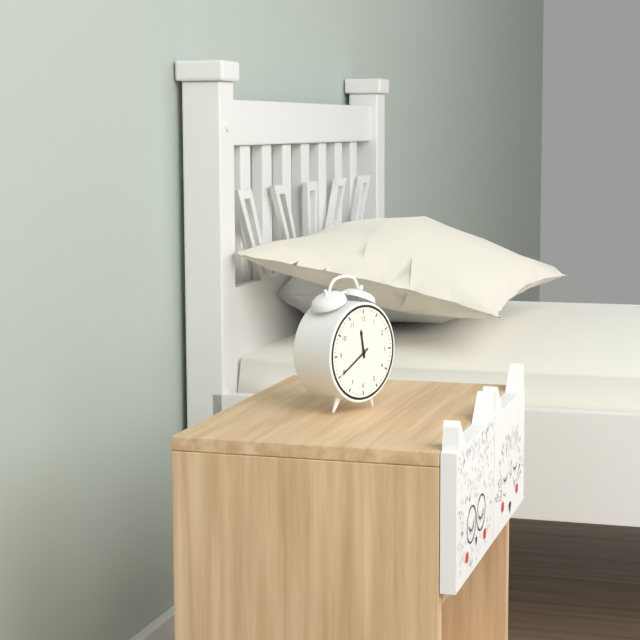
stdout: 11:40
